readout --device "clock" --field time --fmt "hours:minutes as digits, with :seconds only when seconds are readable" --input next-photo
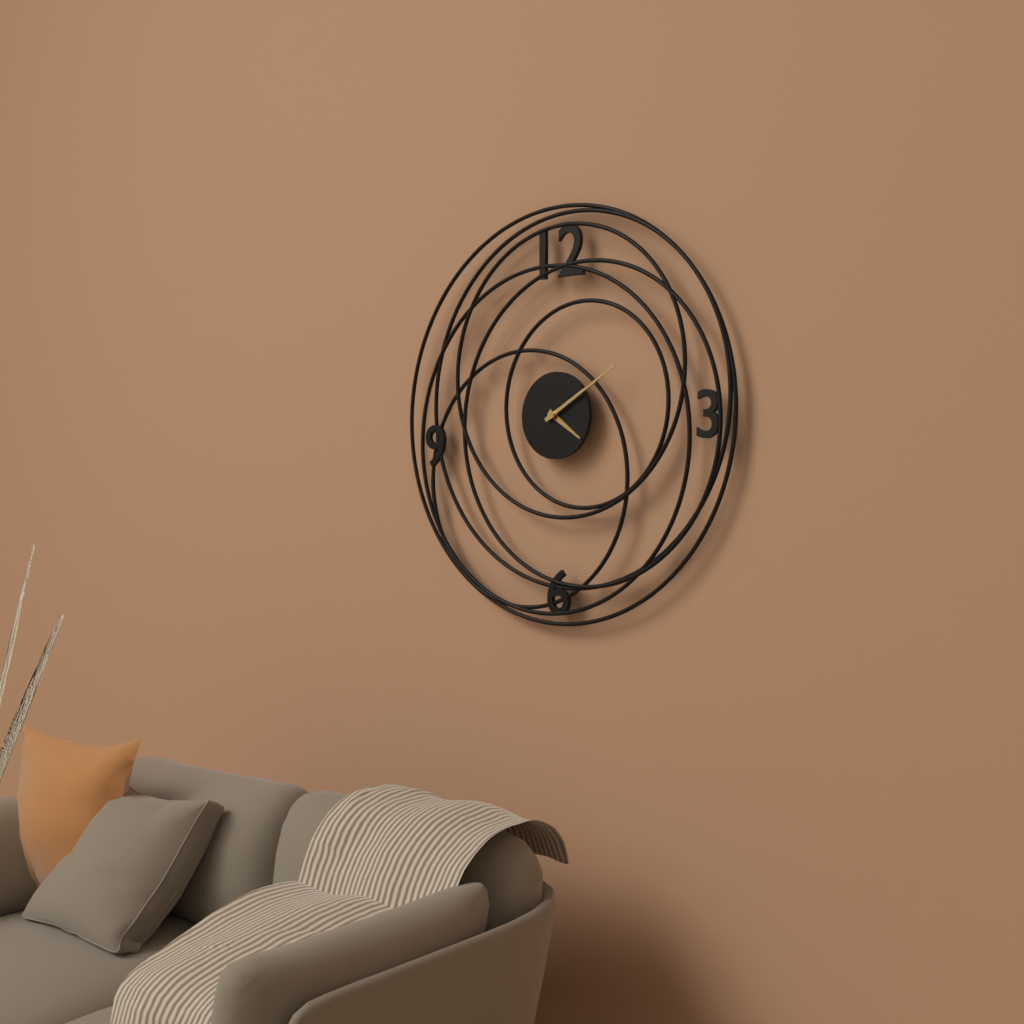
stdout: 4:10
